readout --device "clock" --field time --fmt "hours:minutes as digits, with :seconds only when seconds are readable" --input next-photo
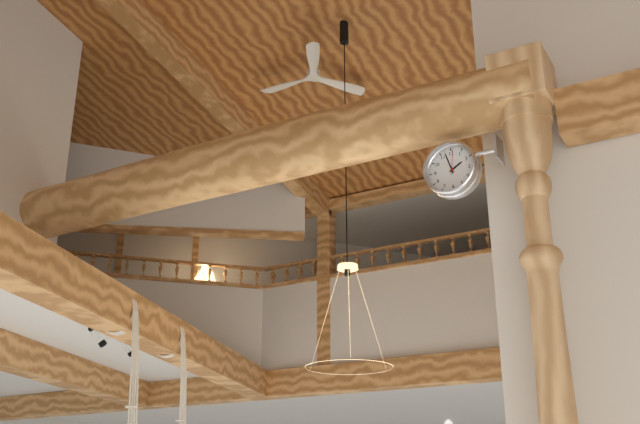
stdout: 1:57
